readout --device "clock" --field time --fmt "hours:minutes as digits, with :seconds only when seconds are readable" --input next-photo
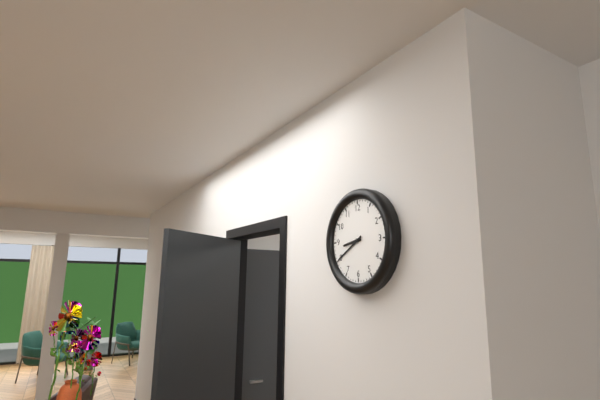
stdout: 8:40
